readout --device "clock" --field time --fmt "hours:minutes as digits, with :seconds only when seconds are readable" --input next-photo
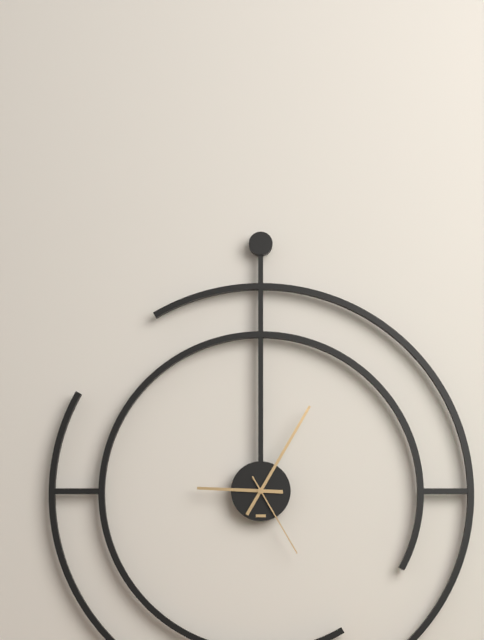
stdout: 9:05:25
